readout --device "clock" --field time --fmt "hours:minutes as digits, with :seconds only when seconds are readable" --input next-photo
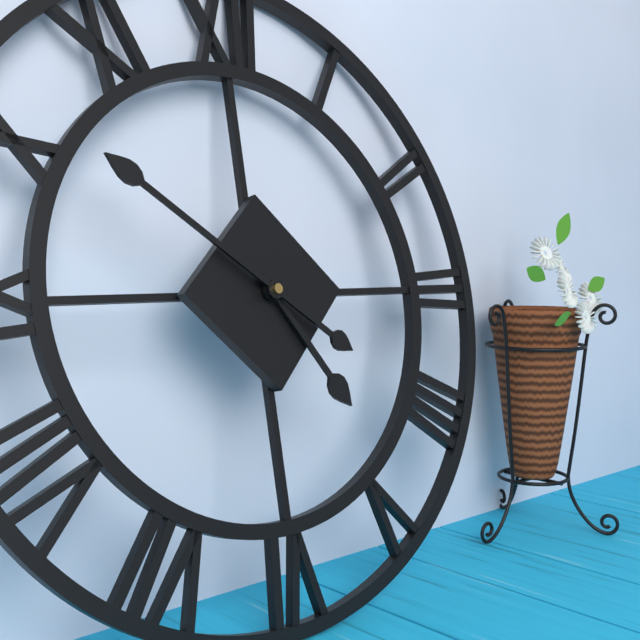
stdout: 4:51
